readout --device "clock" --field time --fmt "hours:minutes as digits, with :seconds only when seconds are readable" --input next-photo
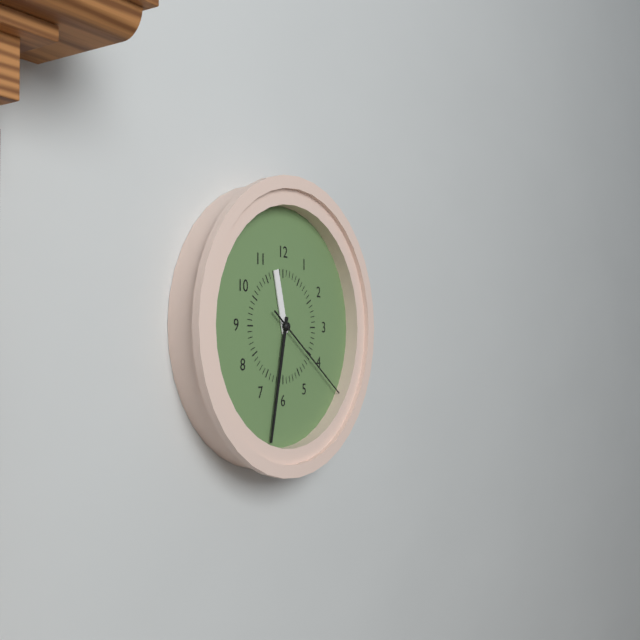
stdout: 11:32:21
